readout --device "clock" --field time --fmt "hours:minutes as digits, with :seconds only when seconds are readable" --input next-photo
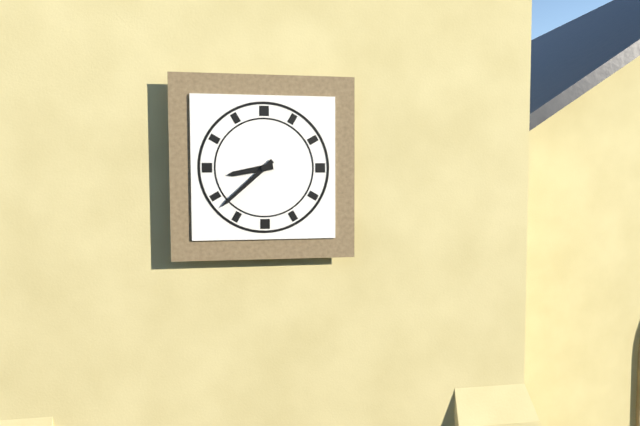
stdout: 8:38
